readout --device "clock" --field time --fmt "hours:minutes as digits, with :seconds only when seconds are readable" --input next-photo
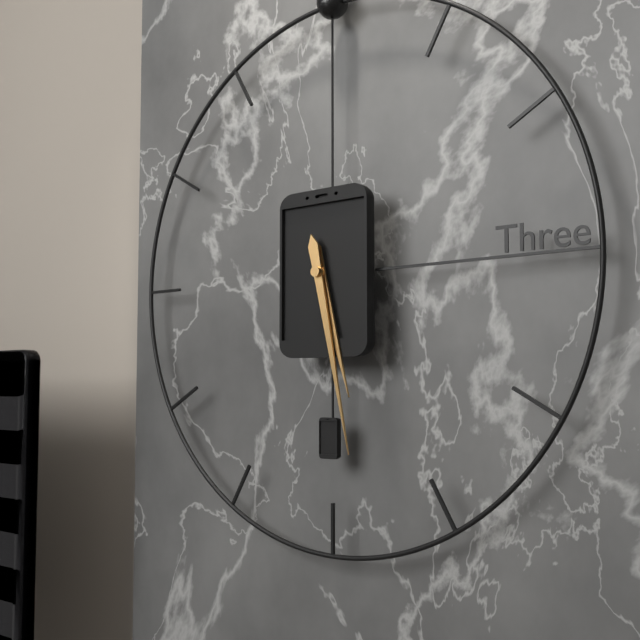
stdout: 5:28
